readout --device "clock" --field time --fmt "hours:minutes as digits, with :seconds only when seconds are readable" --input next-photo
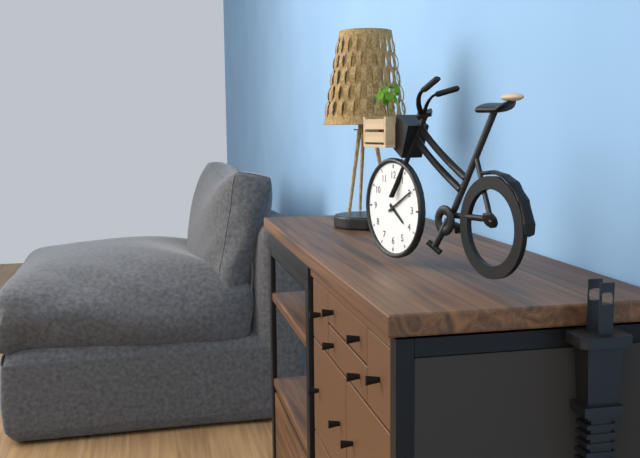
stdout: 4:10
